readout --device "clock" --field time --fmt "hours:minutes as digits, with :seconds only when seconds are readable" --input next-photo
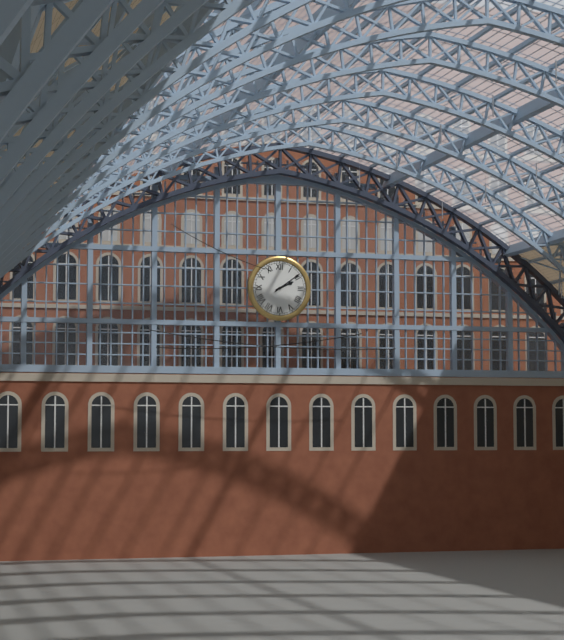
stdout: 2:09
